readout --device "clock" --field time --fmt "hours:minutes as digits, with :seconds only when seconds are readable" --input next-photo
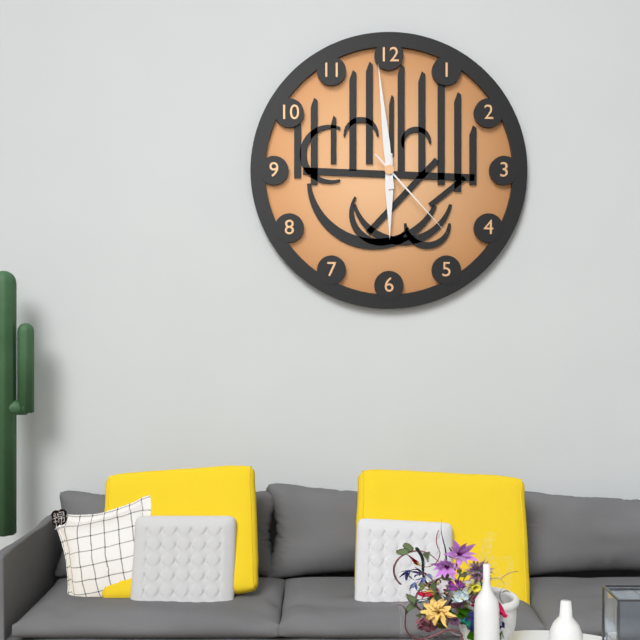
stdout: 5:59:23
